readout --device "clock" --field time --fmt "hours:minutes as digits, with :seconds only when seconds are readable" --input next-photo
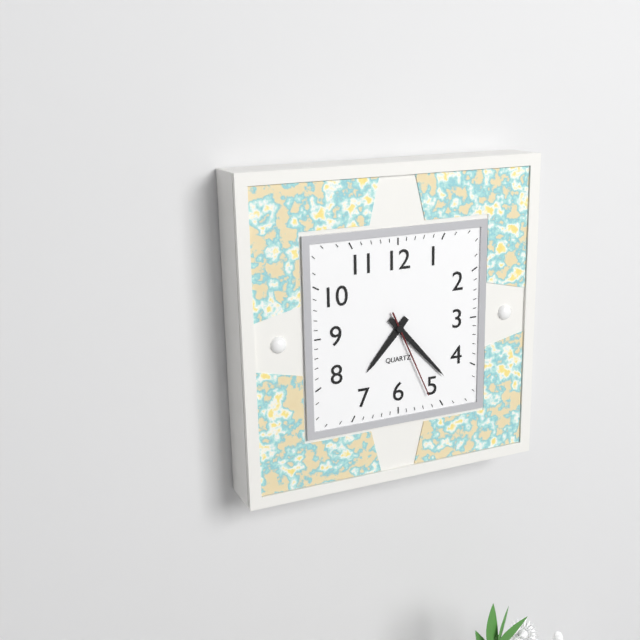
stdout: 7:23:26
